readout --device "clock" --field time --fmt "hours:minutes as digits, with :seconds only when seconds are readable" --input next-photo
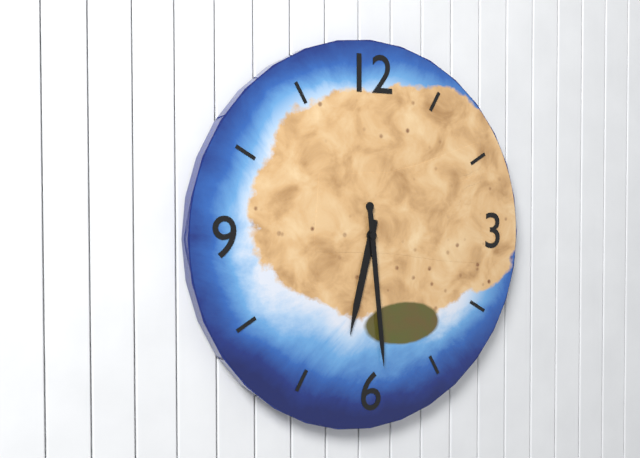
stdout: 6:29
